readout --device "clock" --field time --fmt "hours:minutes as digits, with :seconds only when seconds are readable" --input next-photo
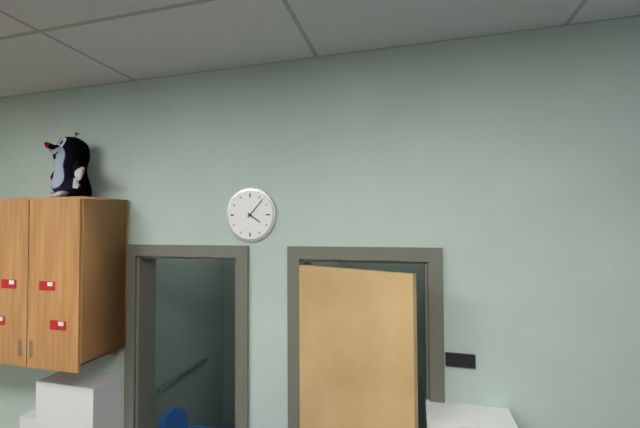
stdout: 4:07
